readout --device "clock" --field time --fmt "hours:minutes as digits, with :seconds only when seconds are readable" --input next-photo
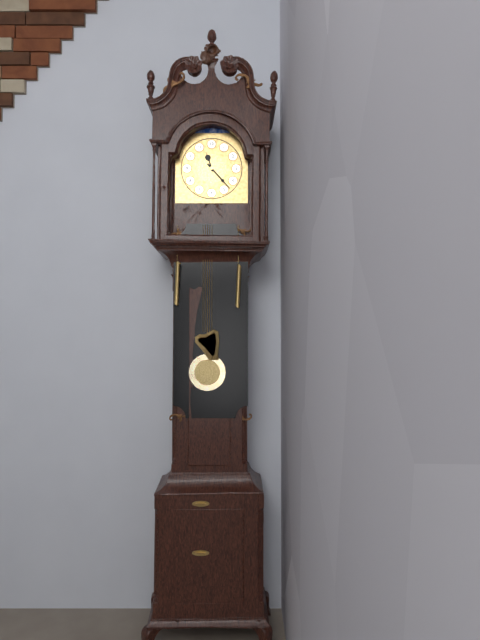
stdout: 11:23
